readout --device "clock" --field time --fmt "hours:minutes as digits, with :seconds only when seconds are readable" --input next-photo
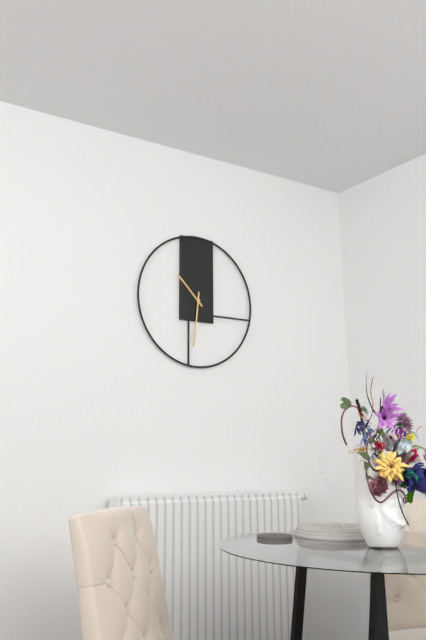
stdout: 10:31
